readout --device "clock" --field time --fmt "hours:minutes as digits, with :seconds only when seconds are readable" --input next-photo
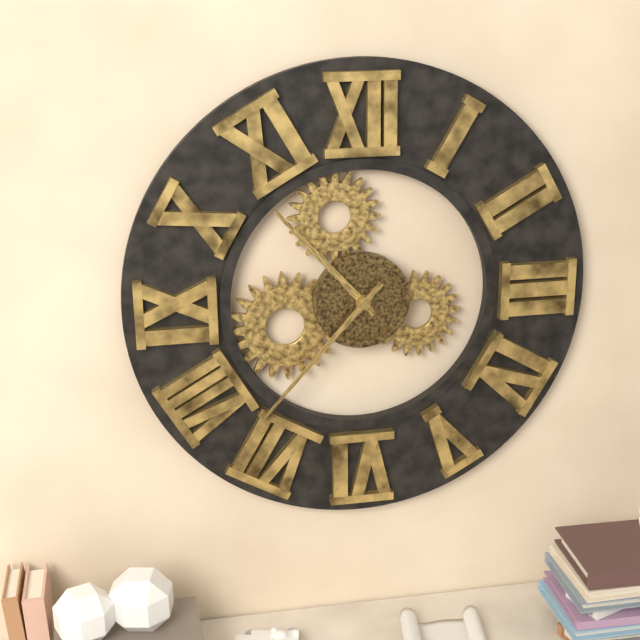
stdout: 10:37
